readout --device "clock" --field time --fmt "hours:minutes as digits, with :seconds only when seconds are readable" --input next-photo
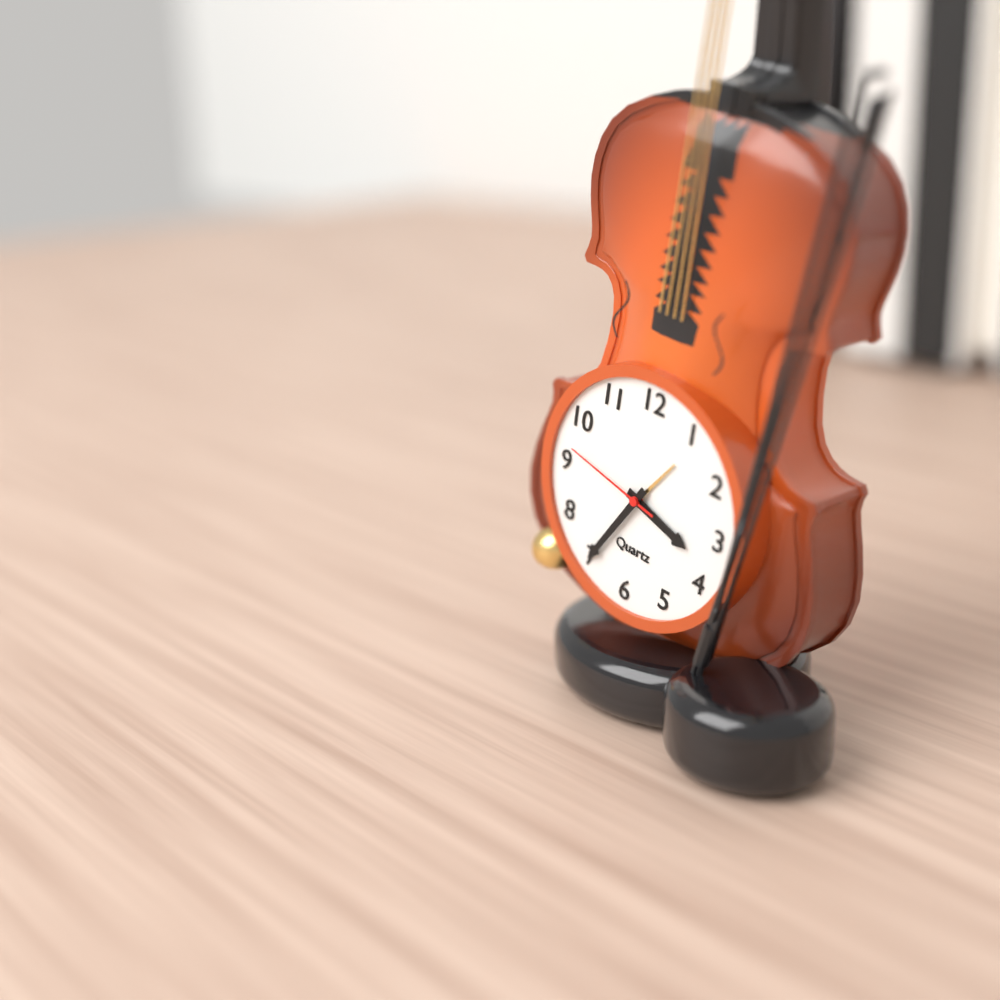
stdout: 3:35:47
